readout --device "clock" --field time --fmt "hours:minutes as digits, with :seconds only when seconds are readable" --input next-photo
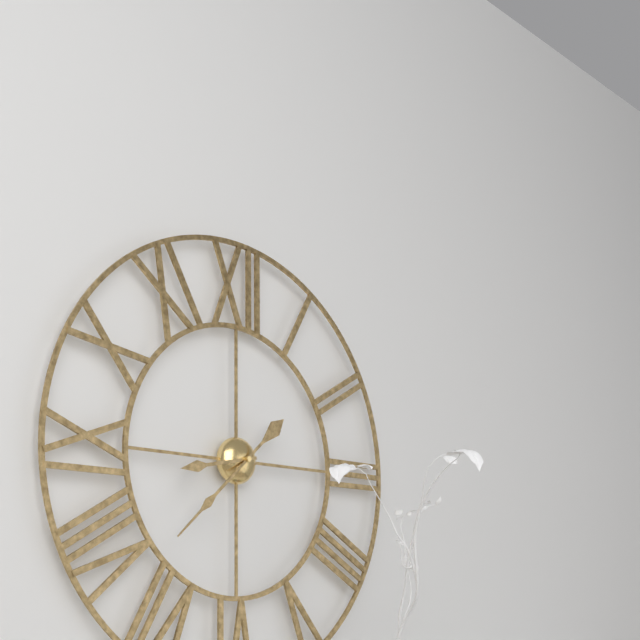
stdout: 8:38
